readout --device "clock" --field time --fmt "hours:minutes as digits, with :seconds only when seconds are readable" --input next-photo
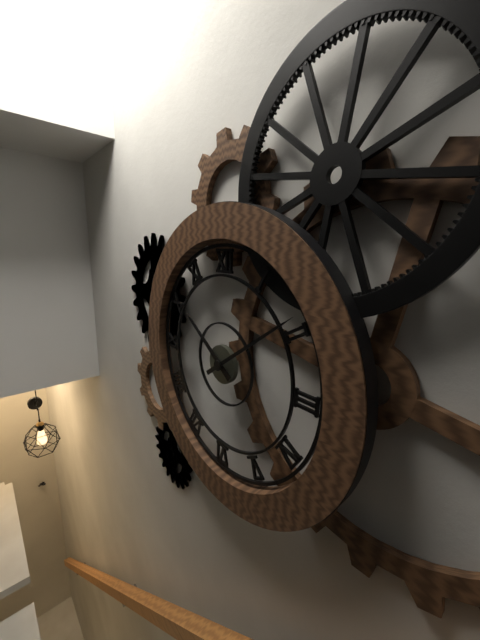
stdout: 10:09
